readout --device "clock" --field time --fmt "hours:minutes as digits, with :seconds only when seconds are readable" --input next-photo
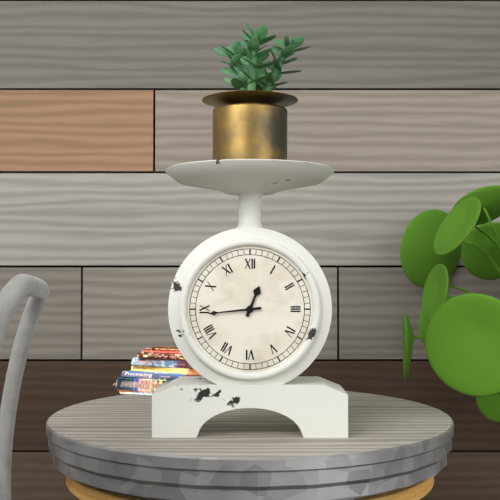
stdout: 12:44
